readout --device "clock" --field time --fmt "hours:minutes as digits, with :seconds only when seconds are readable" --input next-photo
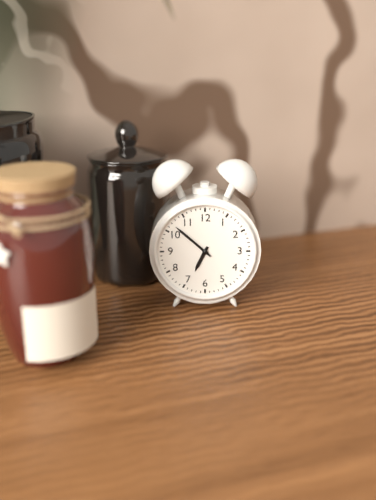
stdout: 6:52
